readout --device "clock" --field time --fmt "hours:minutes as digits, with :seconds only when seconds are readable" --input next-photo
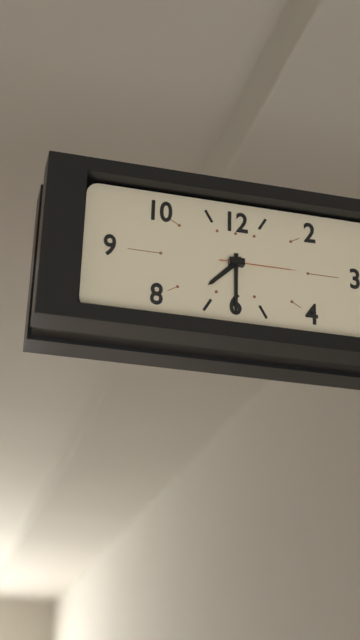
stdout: 7:30:15
